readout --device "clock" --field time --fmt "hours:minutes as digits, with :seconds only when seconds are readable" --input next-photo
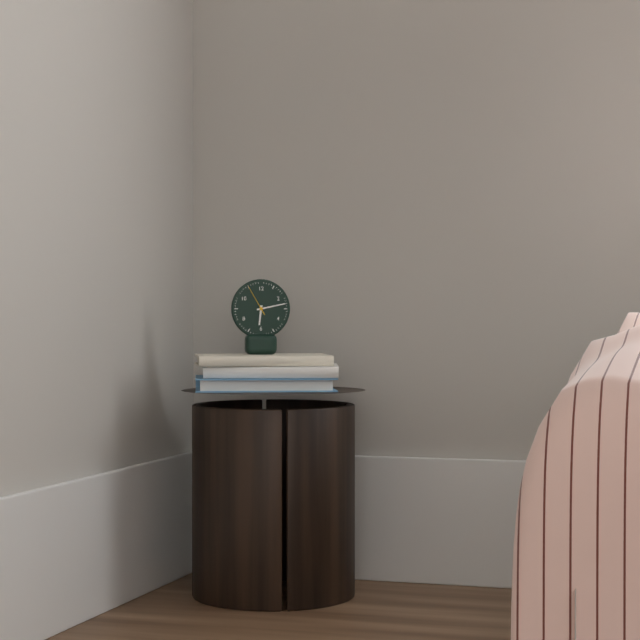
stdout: 6:13
